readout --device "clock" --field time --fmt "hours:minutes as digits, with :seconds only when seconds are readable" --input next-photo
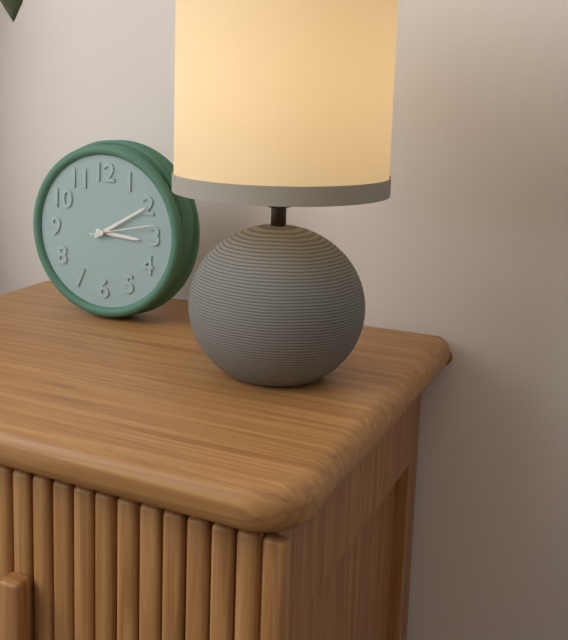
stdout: 3:10:13
